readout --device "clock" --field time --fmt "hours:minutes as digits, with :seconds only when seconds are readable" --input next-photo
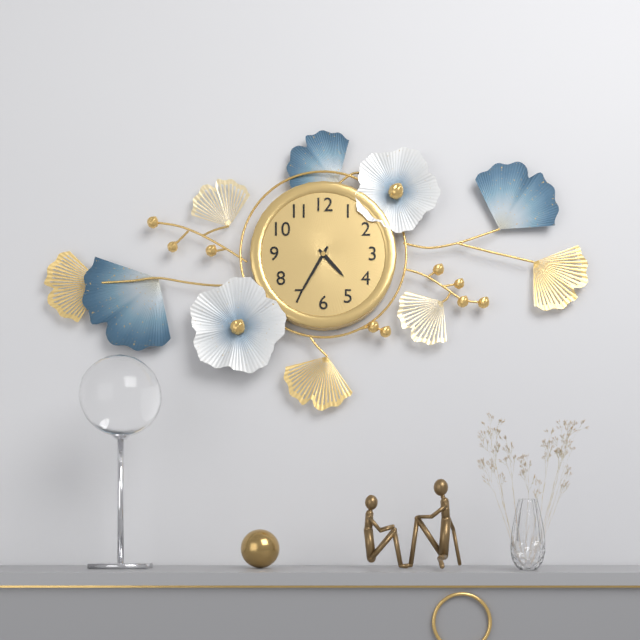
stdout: 4:35
